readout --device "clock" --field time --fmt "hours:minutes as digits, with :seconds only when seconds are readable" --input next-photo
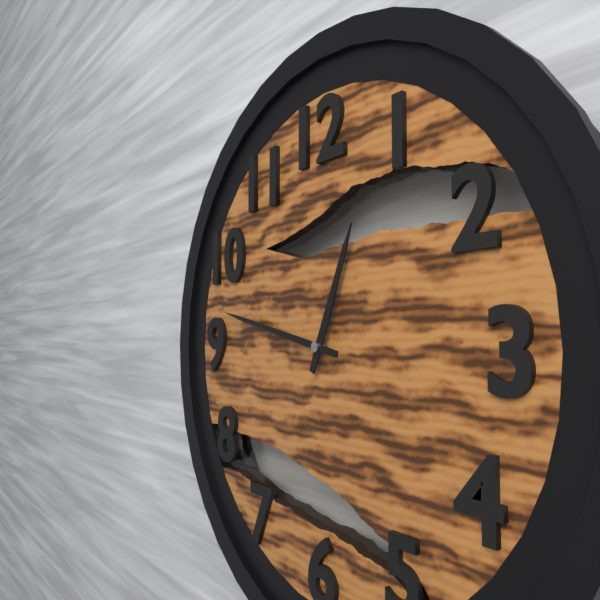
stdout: 12:47
